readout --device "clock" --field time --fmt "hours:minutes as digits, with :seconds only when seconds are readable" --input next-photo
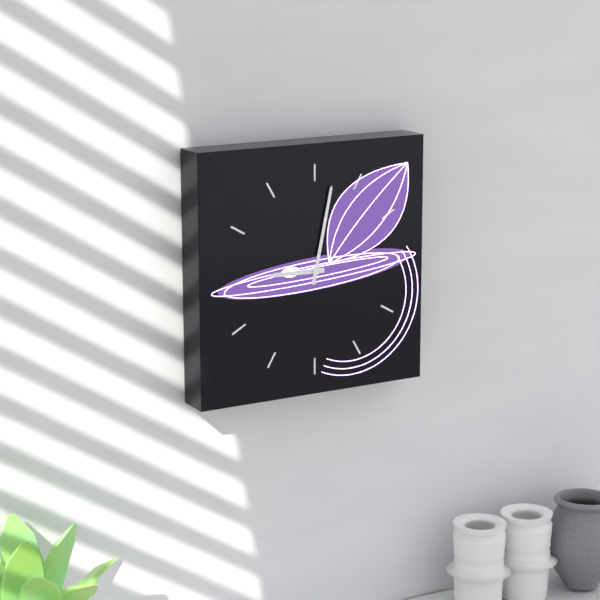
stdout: 9:02
